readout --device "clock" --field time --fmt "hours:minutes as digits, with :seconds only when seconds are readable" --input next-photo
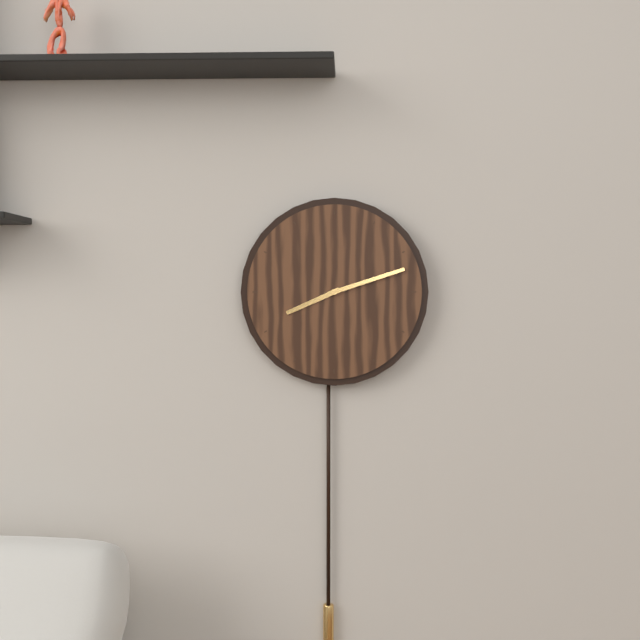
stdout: 8:12
